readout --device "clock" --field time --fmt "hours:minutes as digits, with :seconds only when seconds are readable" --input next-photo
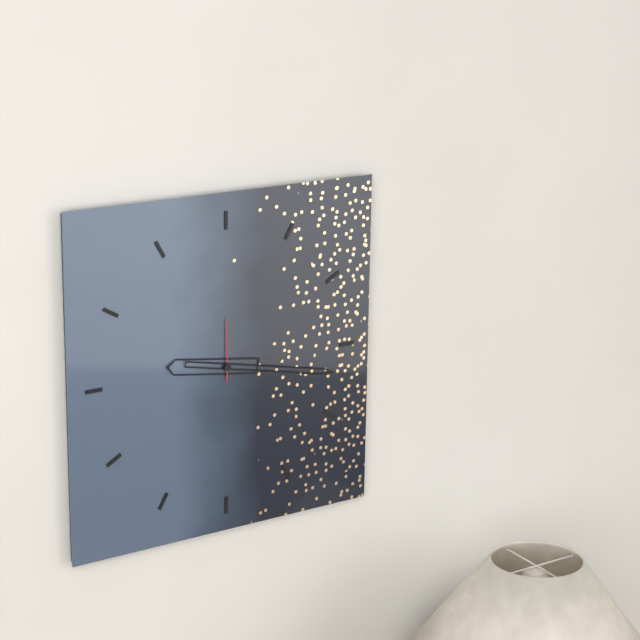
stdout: 9:17:00
